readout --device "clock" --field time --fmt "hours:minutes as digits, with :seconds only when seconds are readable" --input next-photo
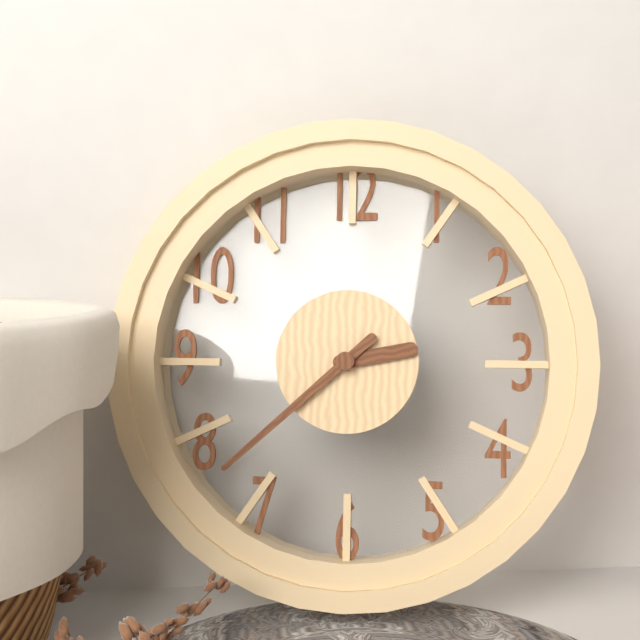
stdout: 2:38
